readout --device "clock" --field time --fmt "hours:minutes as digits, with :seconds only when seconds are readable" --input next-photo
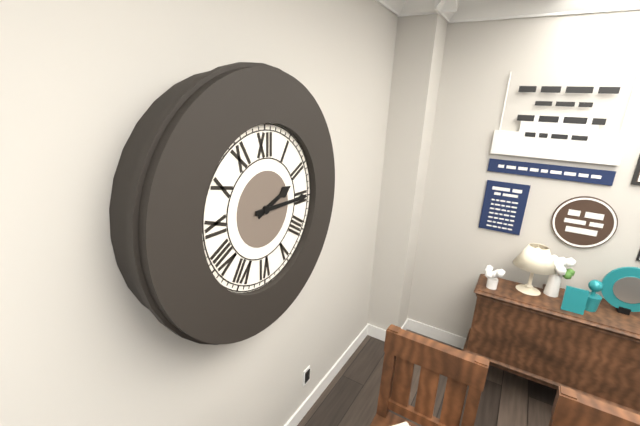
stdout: 2:15
